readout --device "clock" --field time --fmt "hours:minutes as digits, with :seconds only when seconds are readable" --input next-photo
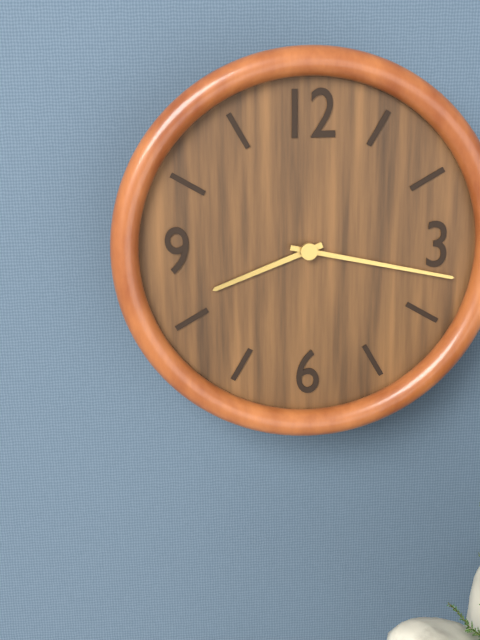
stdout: 8:17
